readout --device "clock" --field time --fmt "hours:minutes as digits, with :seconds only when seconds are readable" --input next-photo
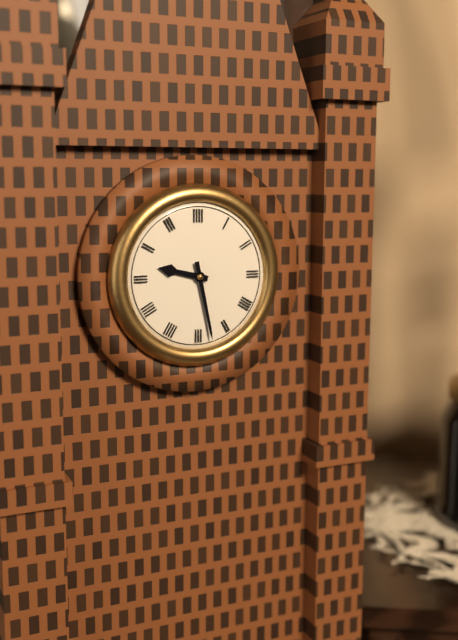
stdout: 9:28
